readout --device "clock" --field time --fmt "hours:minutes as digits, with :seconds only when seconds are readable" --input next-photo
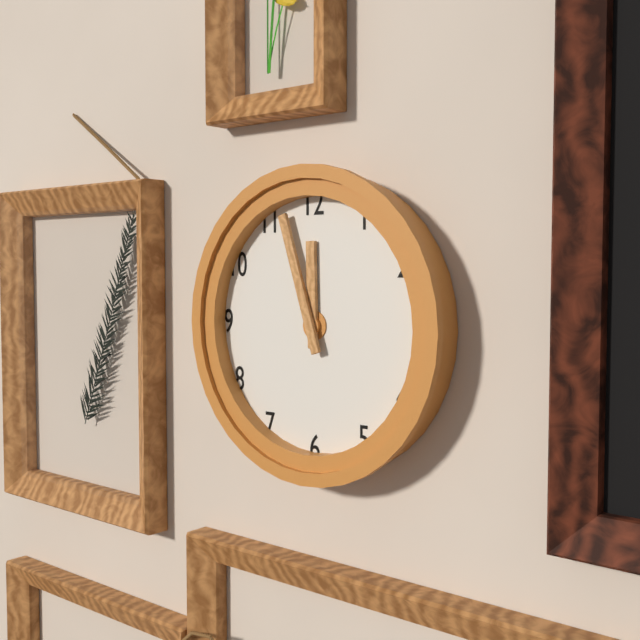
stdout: 11:57
